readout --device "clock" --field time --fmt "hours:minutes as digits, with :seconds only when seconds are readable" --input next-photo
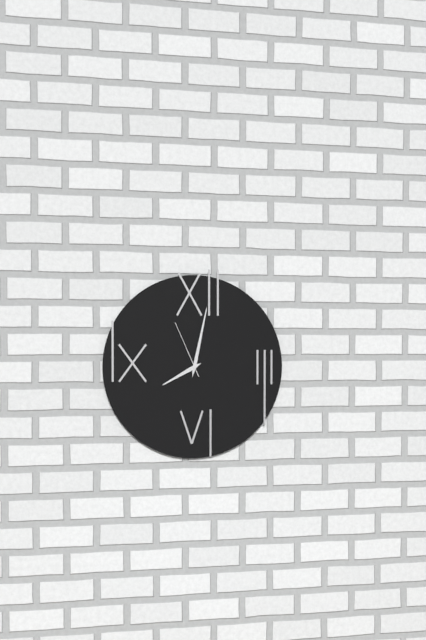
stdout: 8:02:56
